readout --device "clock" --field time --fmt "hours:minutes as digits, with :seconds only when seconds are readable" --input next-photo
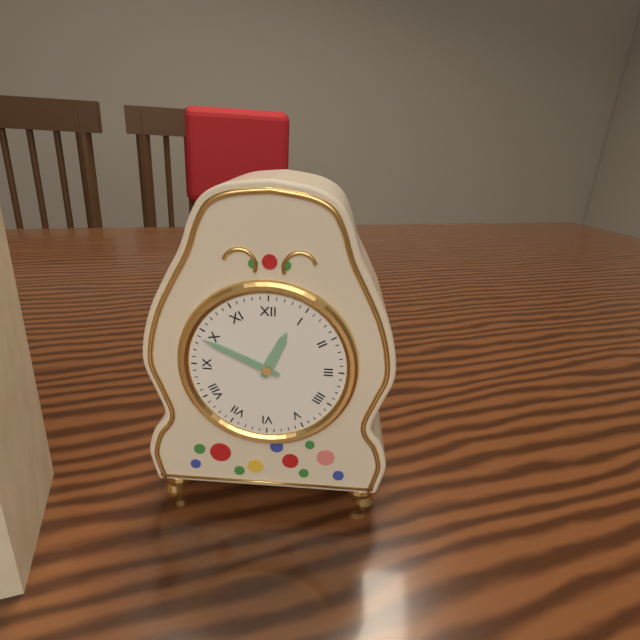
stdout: 12:49
